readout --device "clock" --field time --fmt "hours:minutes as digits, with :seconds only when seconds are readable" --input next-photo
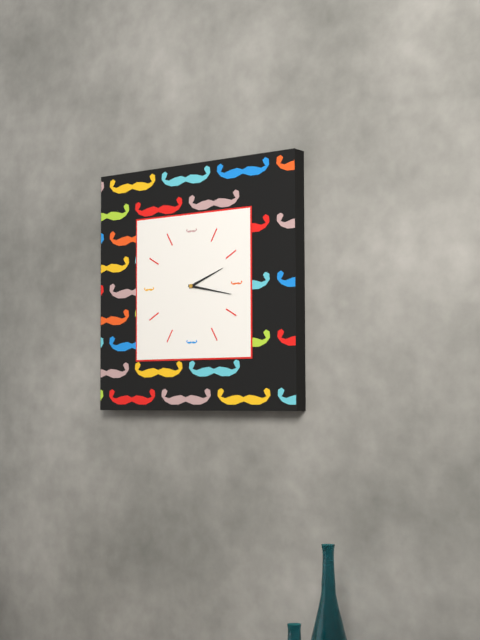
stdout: 2:17
